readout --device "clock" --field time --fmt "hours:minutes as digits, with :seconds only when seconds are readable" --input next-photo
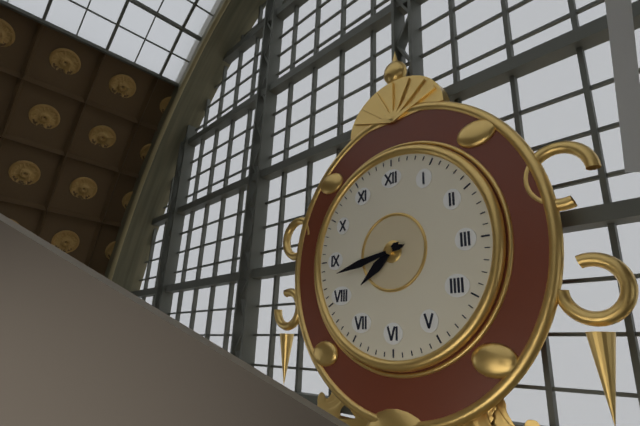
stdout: 7:43
